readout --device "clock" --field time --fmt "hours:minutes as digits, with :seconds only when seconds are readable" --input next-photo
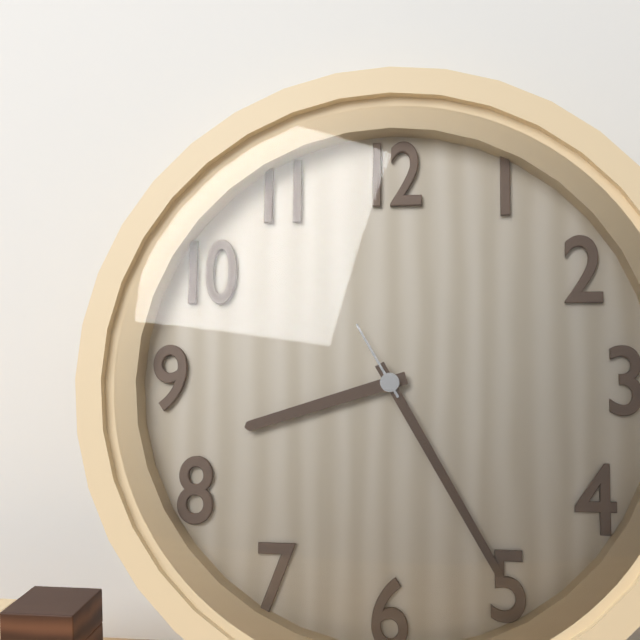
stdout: 8:25:55
